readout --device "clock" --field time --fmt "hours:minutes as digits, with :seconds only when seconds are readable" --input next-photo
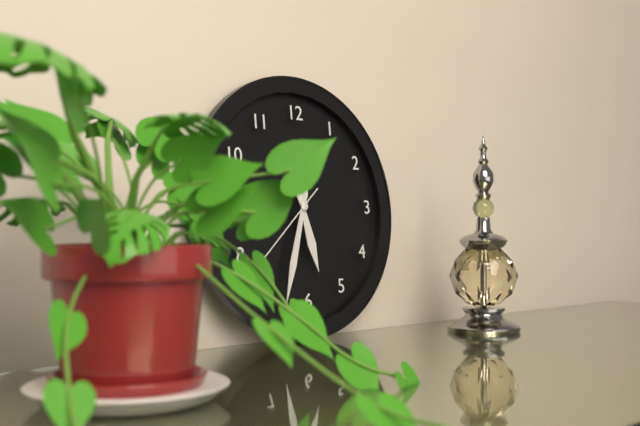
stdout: 5:33:38
